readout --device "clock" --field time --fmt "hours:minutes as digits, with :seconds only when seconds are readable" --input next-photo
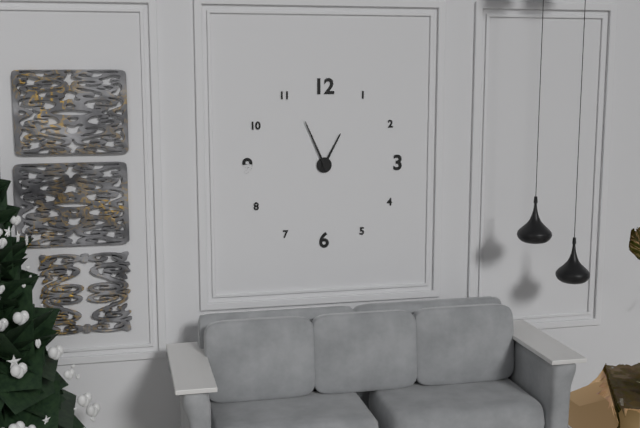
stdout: 12:56
